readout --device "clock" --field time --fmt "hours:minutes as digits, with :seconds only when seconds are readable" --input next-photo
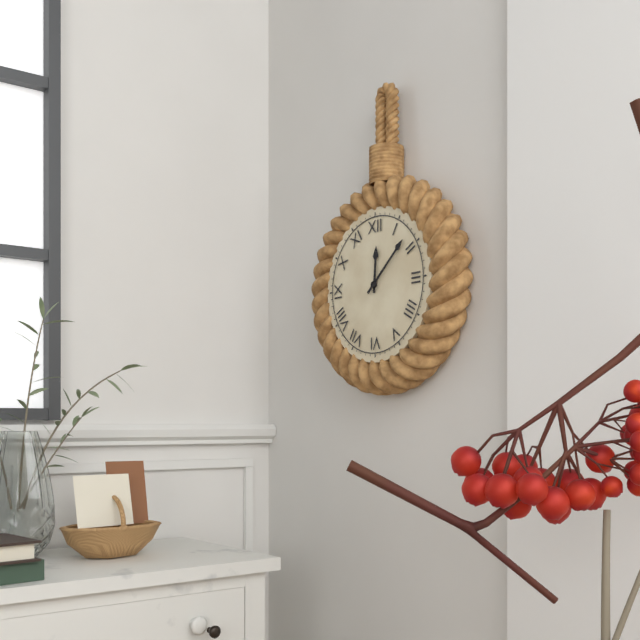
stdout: 12:08
